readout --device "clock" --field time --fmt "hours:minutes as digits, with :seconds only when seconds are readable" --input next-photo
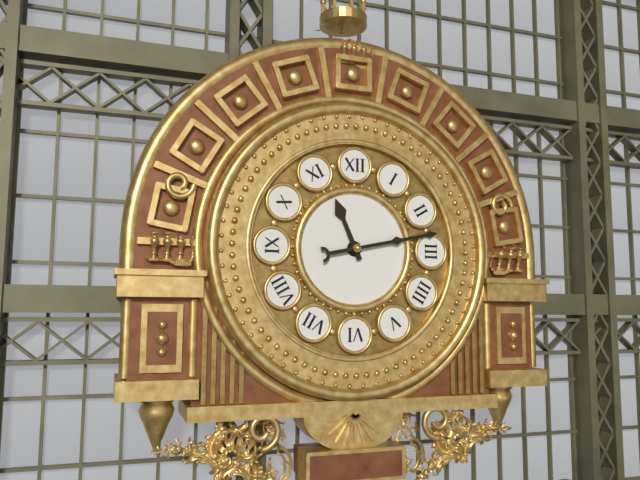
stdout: 11:13
